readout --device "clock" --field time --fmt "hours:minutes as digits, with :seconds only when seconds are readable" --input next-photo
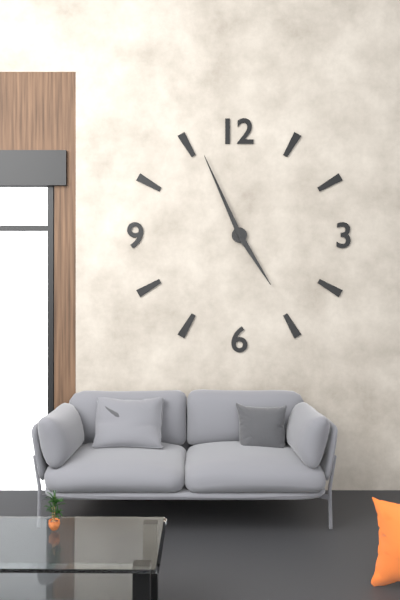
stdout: 4:56
